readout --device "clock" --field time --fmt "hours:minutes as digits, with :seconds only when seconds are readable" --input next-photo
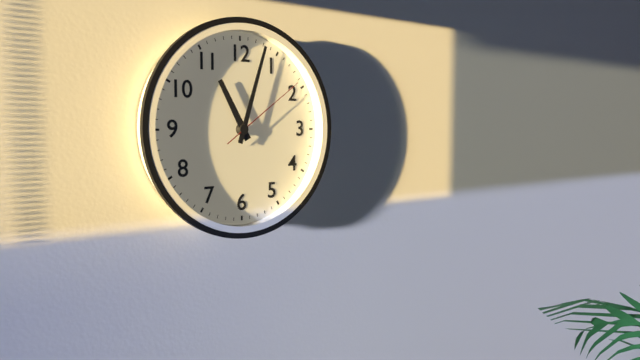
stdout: 11:03:09
